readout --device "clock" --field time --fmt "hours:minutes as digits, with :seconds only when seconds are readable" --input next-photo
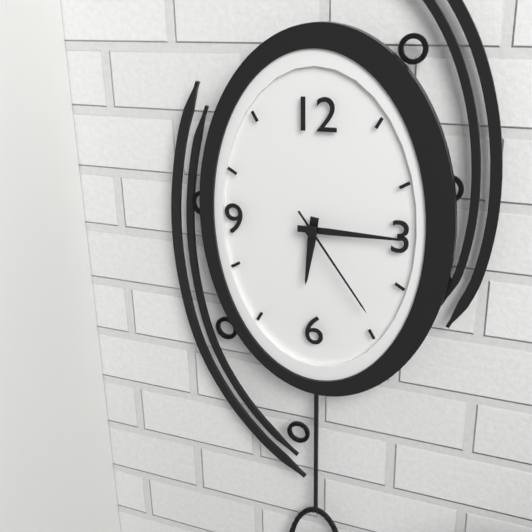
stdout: 6:15:24
